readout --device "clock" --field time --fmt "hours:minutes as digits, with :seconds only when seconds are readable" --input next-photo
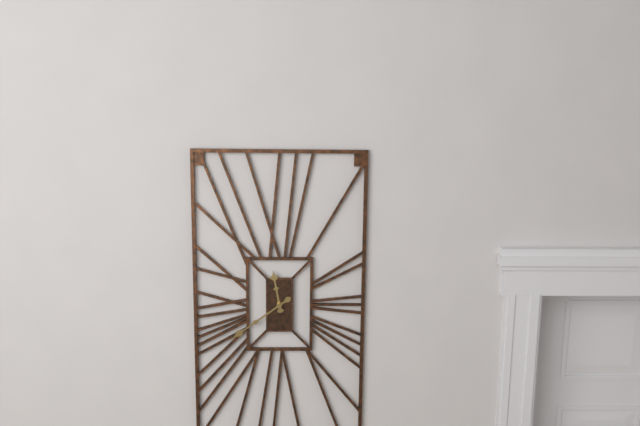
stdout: 11:39
